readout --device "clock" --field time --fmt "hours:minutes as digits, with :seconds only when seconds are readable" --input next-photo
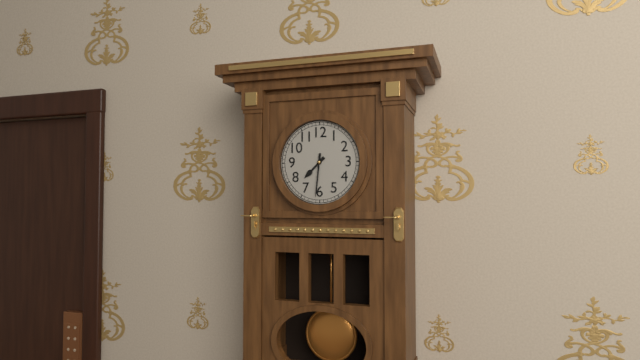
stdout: 7:31
